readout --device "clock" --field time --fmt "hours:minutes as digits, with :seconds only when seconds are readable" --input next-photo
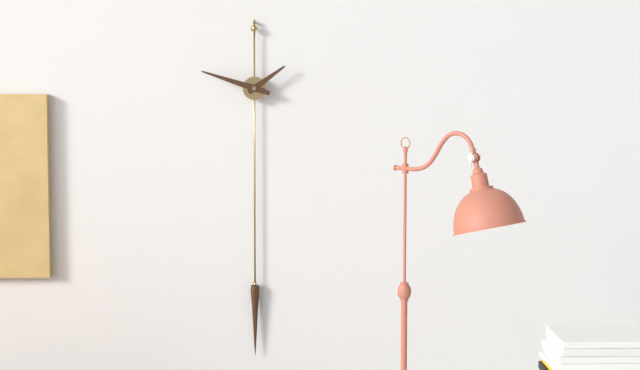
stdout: 1:48
